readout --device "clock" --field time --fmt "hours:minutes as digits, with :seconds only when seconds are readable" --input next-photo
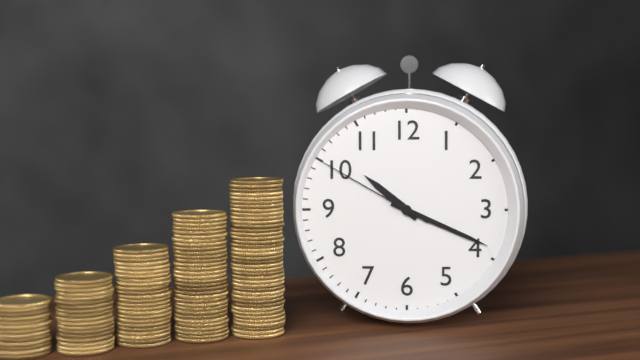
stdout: 10:19:50
